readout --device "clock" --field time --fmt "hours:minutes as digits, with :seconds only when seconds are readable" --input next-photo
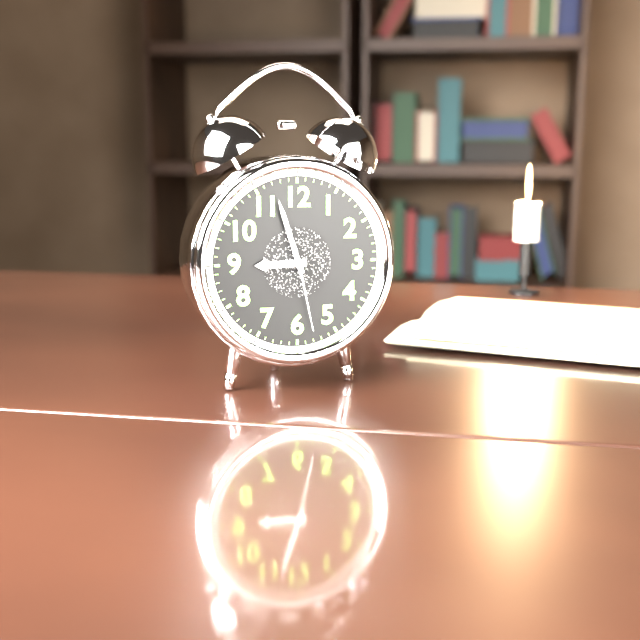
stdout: 8:57:28
